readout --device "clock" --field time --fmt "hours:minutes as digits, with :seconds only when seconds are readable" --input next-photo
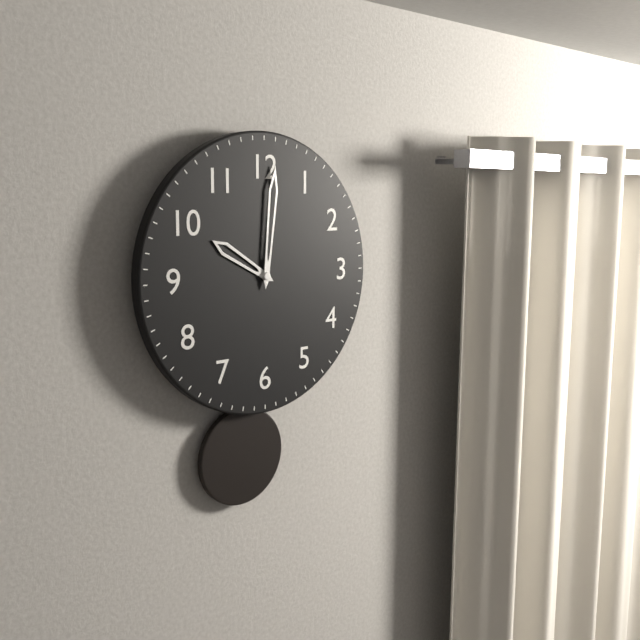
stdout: 10:01
